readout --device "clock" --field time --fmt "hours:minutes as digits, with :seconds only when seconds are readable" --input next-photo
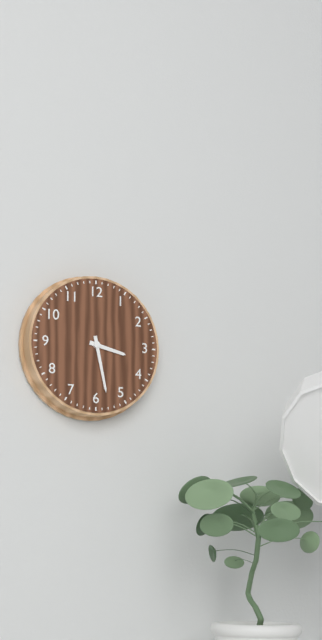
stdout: 3:28
